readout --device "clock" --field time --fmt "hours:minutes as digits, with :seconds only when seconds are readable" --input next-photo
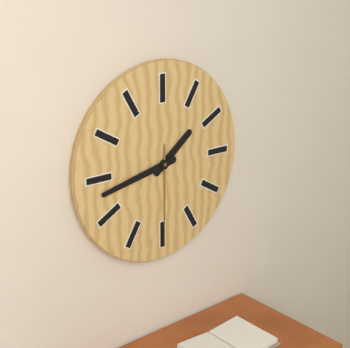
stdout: 1:43:30
